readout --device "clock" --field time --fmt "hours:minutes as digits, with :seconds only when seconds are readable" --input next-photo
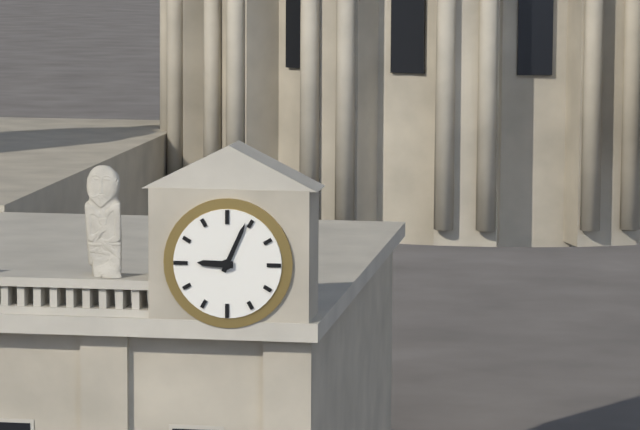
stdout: 9:04
